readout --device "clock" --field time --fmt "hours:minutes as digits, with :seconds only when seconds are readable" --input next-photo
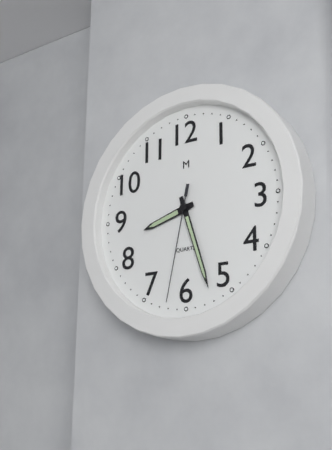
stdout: 8:27:32
